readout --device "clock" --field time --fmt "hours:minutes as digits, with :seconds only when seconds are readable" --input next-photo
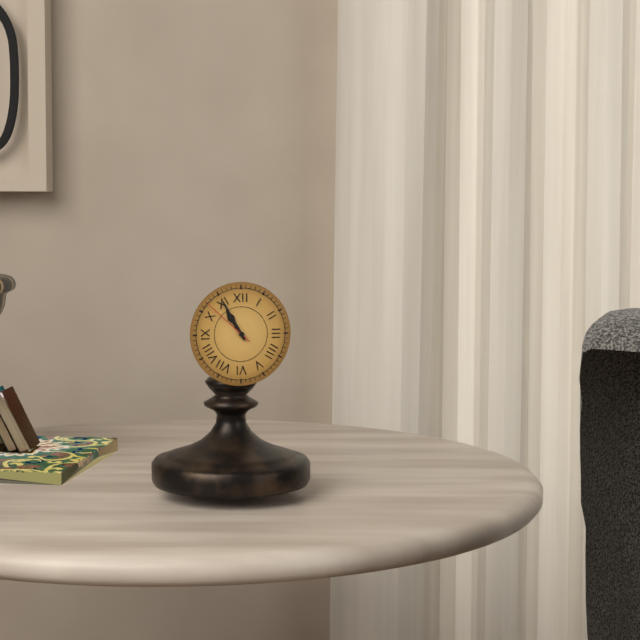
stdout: 10:55:52
